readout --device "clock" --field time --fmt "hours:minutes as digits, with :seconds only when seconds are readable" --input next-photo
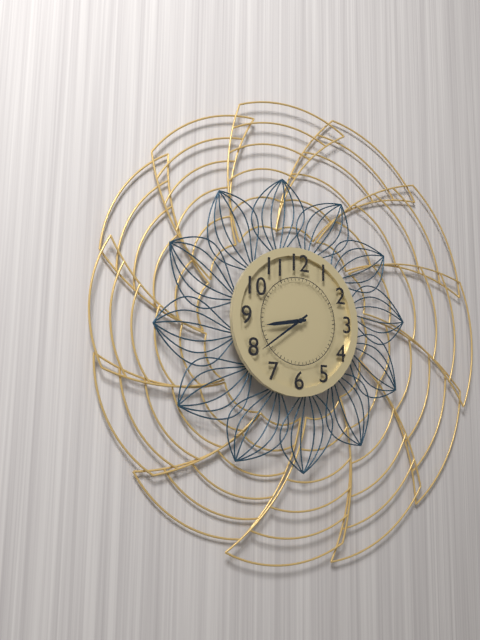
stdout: 8:39
